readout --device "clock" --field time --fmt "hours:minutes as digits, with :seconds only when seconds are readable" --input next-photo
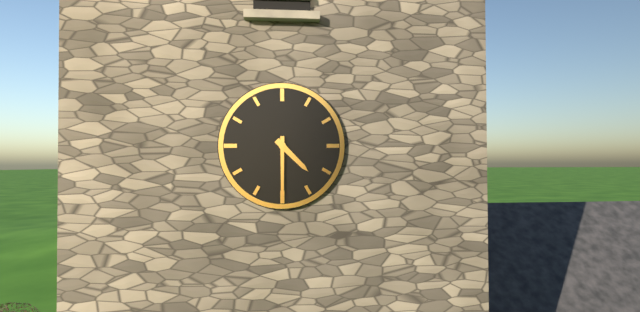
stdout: 4:30
